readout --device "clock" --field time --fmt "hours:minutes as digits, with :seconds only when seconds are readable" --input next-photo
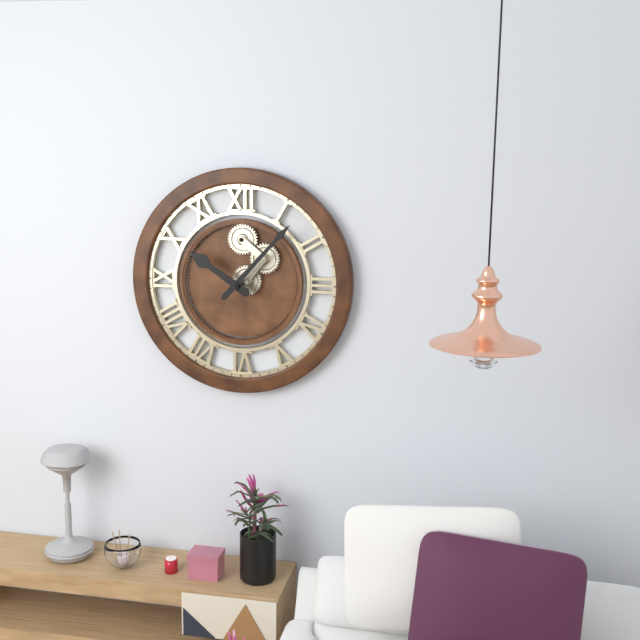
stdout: 10:07
